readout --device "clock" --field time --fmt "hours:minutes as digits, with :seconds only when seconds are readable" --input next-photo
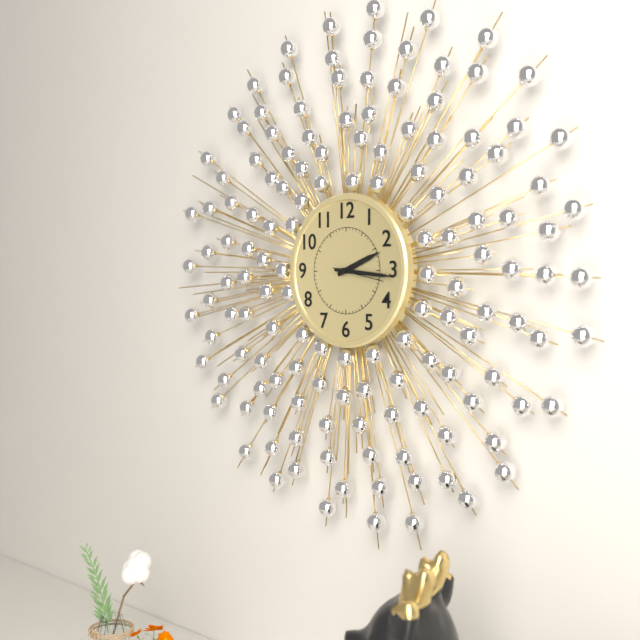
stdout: 2:16:17
